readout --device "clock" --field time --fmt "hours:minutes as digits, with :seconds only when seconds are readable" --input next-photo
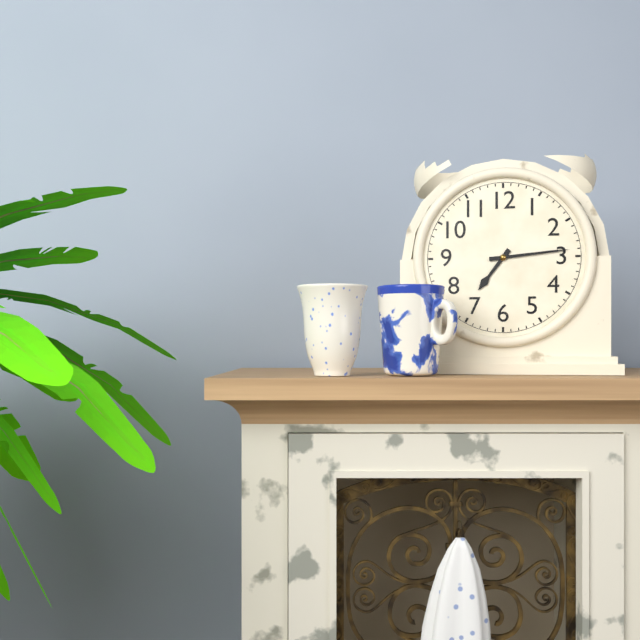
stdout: 7:14
